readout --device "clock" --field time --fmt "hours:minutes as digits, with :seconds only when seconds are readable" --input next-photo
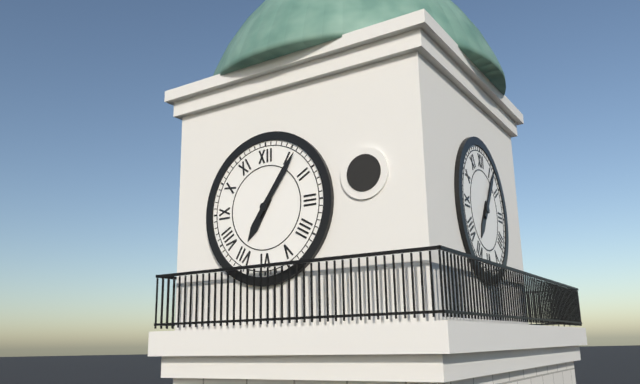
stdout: 7:06
